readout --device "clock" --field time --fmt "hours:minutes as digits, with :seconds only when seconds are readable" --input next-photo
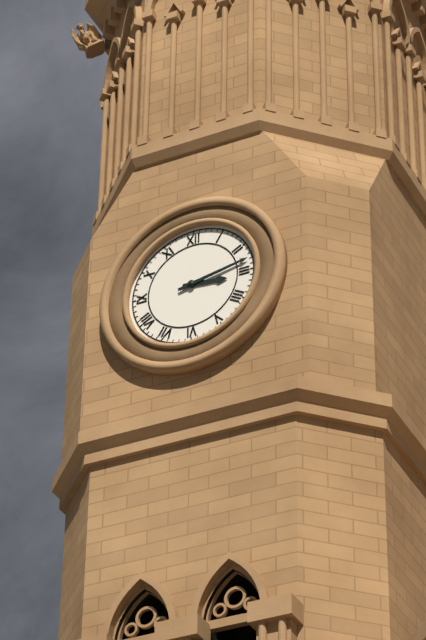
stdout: 3:13
